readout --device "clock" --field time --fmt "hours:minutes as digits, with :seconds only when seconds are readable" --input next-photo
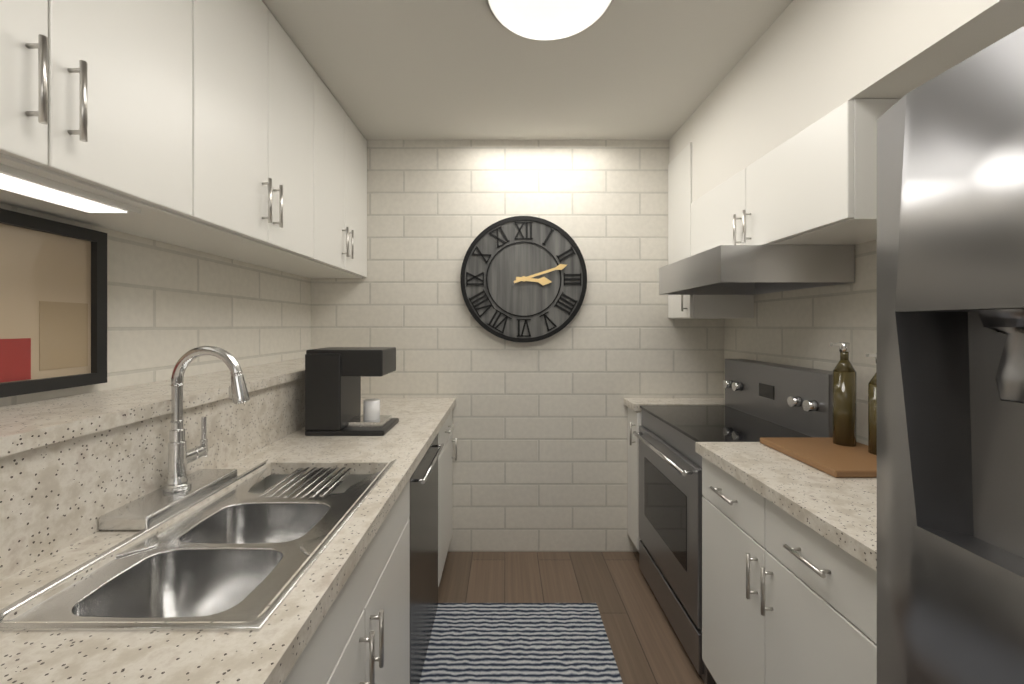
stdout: 3:12
